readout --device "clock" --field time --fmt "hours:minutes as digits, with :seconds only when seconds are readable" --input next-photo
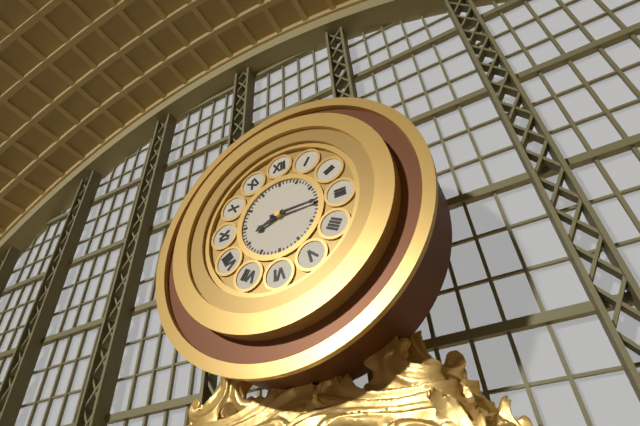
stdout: 8:15
